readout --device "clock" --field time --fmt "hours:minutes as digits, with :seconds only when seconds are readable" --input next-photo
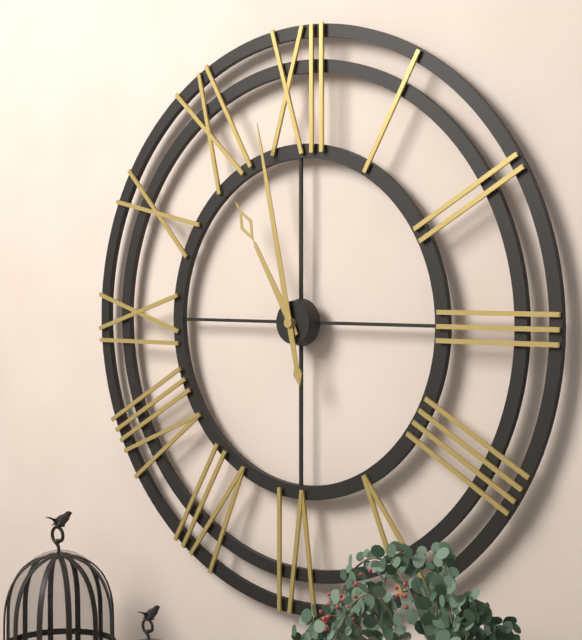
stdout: 10:58
